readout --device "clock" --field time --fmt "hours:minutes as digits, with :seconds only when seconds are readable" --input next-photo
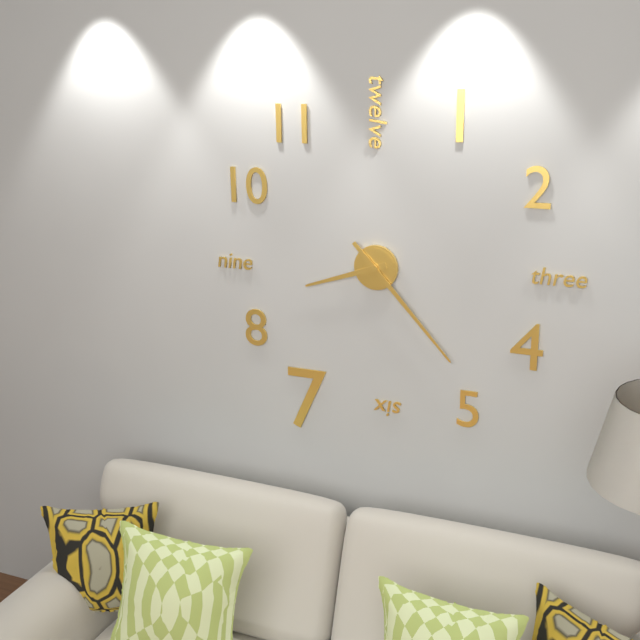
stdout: 8:23
